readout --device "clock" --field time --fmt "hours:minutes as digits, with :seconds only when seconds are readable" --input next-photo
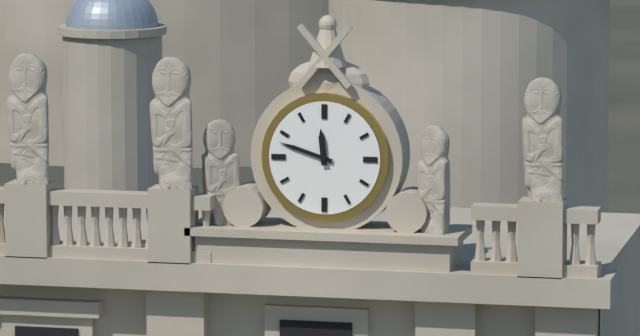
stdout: 11:48
